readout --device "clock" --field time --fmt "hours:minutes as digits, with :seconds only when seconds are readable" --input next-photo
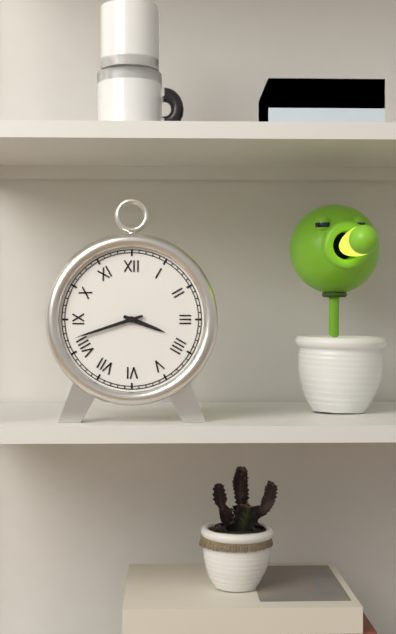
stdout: 3:42
